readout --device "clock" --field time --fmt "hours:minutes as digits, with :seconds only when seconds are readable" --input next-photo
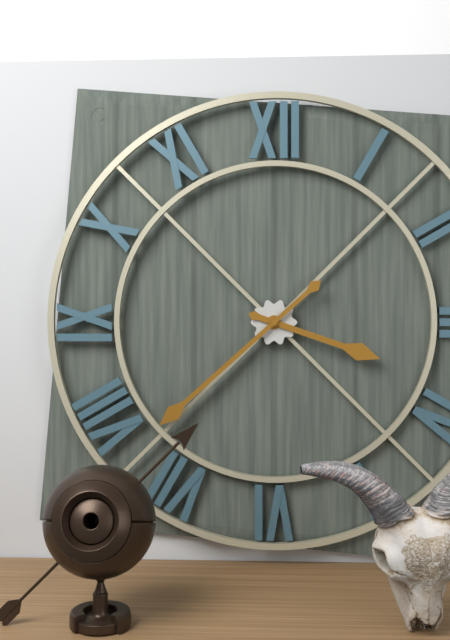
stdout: 3:38
